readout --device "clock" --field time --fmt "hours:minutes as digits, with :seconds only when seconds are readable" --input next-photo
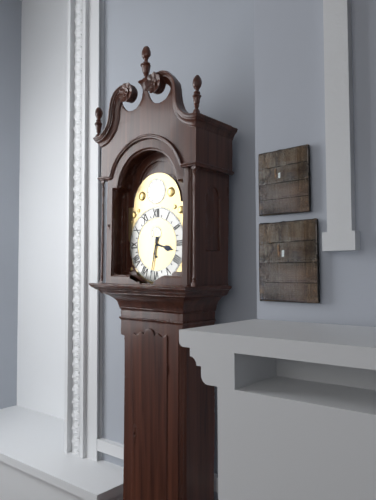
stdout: 3:32
